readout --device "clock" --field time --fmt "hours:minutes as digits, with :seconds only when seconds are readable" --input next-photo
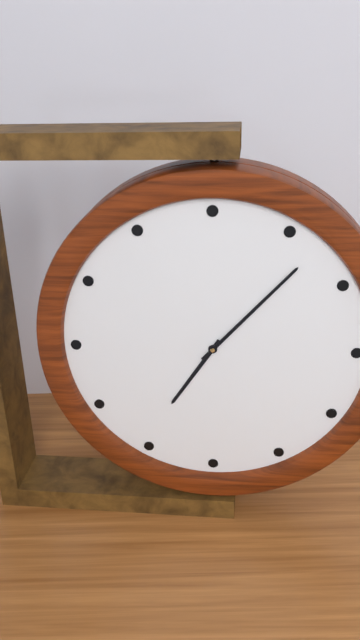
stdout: 7:07
